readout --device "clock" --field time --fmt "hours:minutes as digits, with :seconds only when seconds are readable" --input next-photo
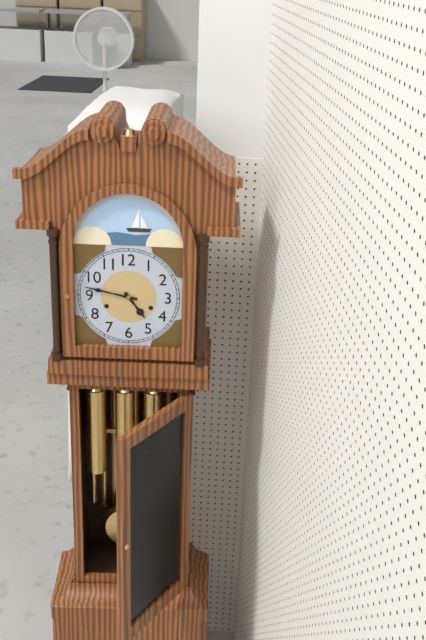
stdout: 4:47
